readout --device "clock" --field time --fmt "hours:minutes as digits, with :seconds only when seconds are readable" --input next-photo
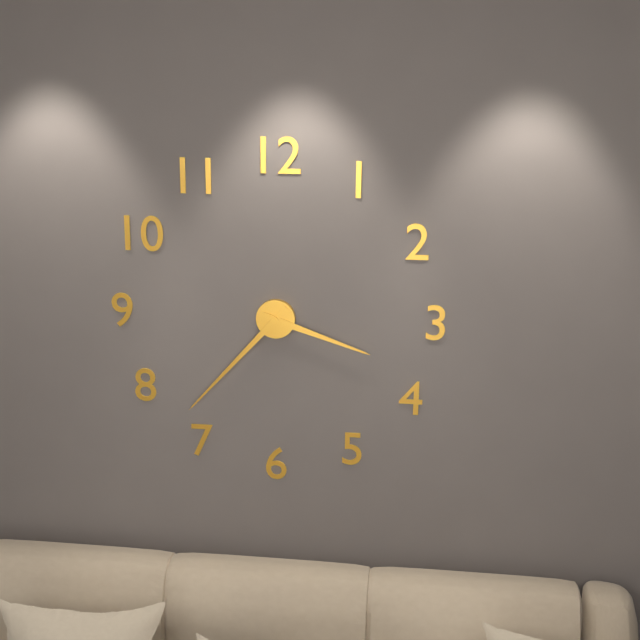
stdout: 3:37
